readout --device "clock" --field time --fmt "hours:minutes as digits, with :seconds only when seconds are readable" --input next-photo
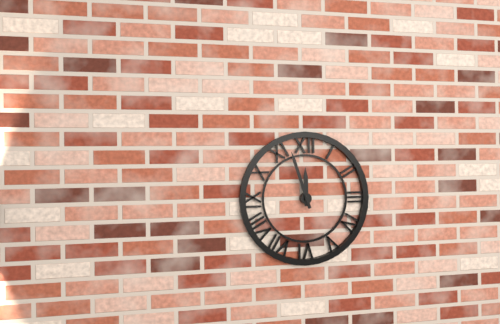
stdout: 11:57
